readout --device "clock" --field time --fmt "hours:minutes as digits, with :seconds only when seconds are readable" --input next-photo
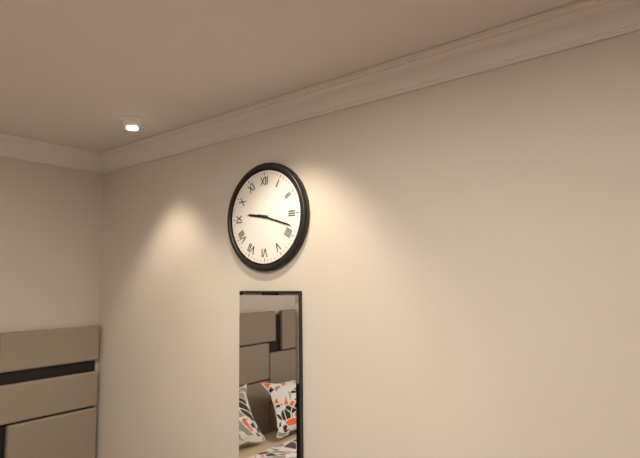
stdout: 9:18
